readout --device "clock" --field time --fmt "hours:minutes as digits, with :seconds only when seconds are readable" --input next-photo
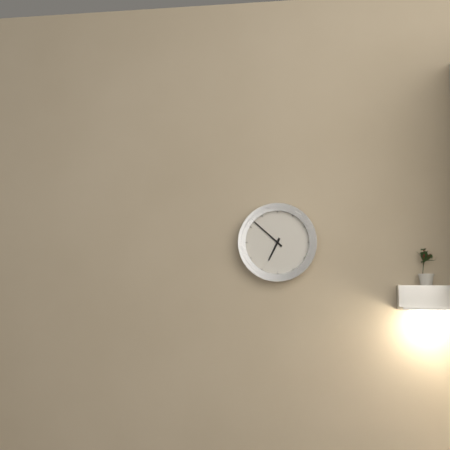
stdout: 6:52
